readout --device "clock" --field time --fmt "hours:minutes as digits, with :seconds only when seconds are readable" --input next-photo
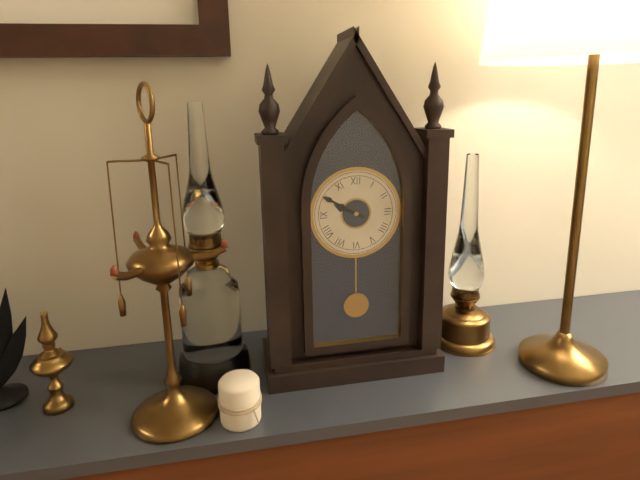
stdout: 9:50
